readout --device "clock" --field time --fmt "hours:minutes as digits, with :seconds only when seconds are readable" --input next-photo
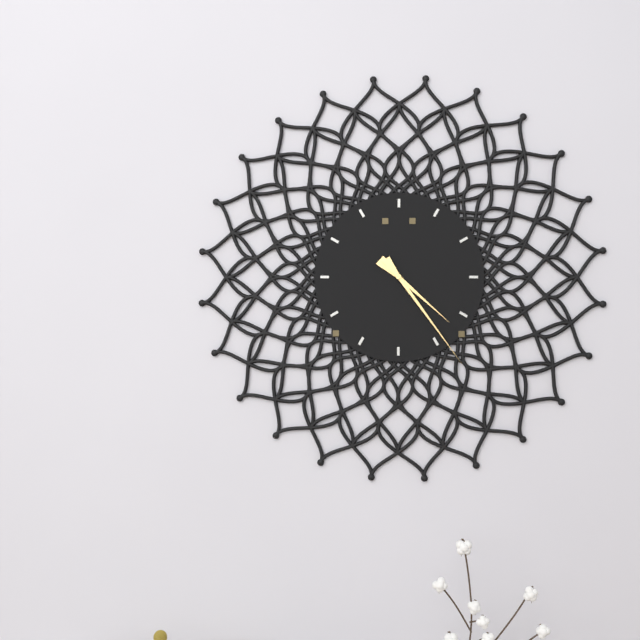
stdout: 4:24
